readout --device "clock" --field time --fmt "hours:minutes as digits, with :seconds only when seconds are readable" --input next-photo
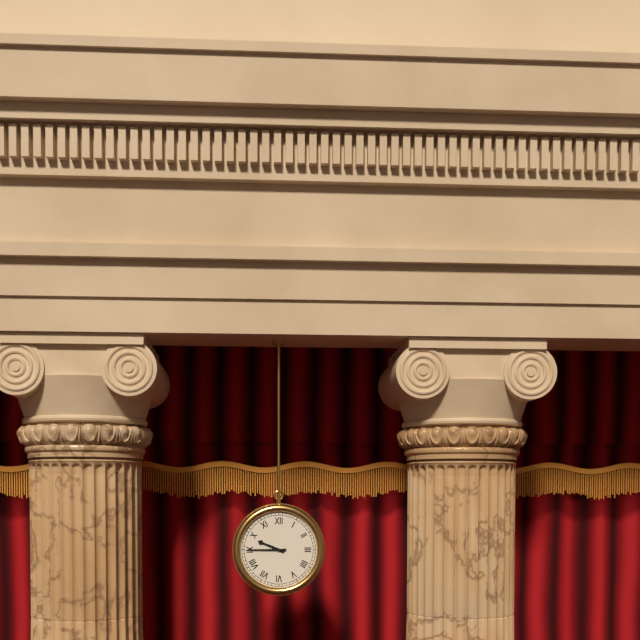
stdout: 9:45
